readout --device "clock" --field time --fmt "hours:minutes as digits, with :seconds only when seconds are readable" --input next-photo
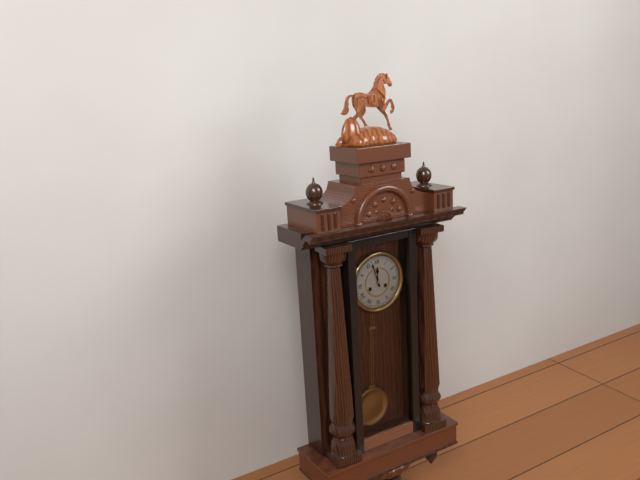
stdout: 11:57
